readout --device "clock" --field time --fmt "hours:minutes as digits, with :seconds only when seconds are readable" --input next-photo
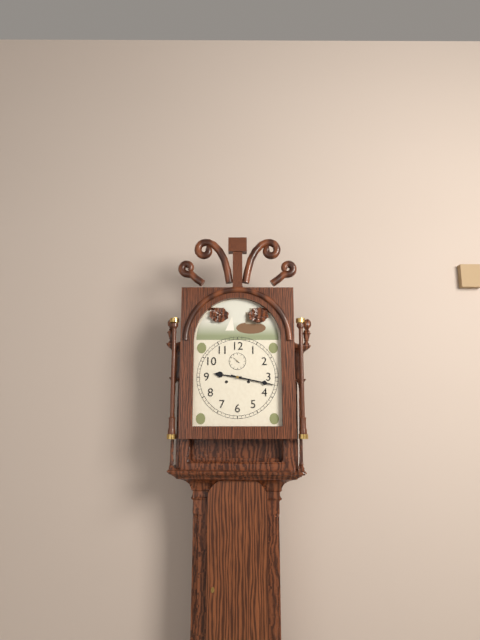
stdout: 9:17
